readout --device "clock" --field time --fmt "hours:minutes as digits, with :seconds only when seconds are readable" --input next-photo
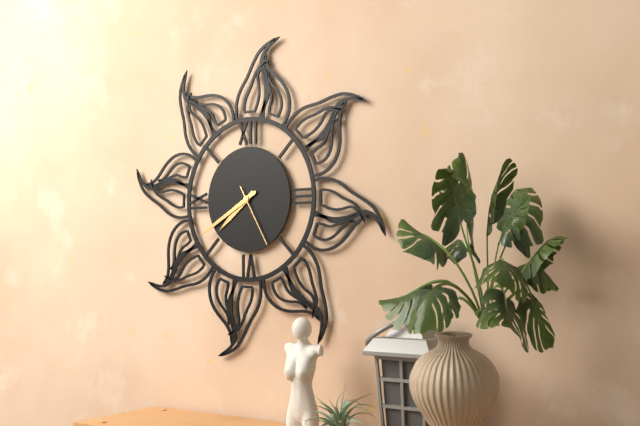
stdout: 7:40:25
